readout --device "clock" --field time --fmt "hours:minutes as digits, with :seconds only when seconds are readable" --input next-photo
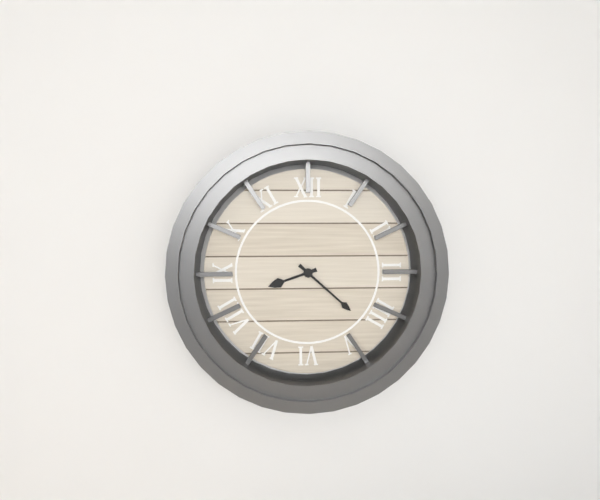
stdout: 8:22
